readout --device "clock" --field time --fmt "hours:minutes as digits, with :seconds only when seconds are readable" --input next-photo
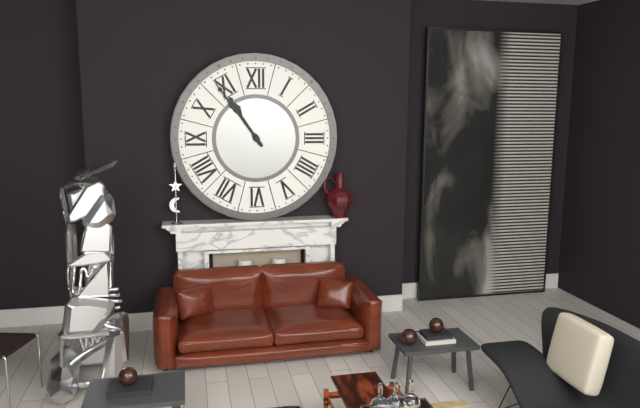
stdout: 10:54
